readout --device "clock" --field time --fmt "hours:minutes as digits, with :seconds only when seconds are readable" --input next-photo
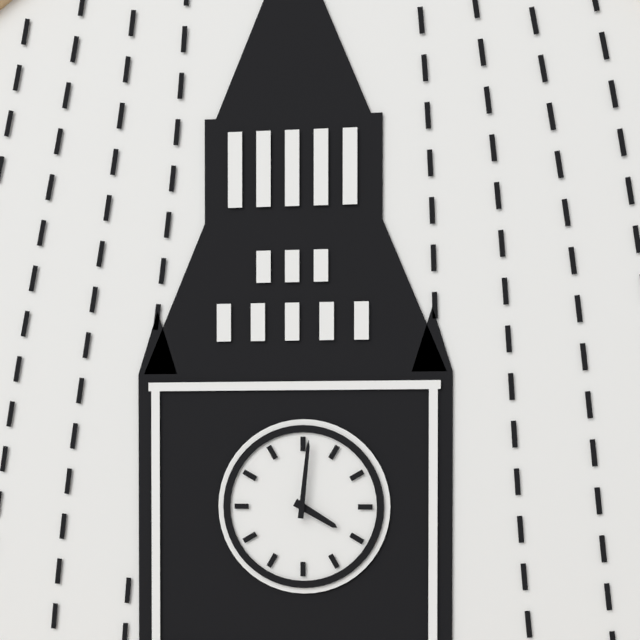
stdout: 4:01
